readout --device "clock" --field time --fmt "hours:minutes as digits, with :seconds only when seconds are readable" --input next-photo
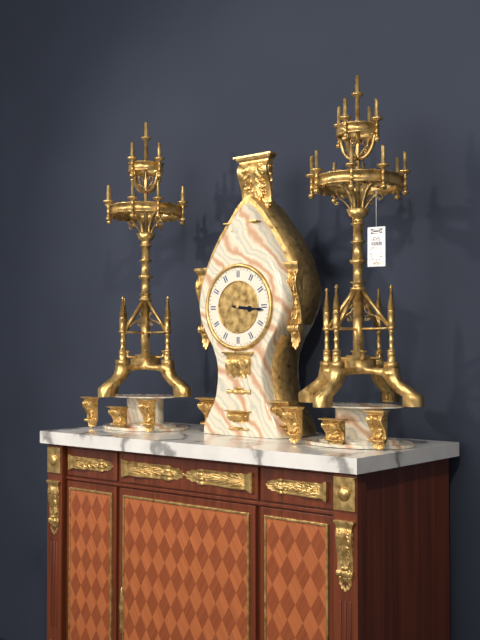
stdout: 3:16
